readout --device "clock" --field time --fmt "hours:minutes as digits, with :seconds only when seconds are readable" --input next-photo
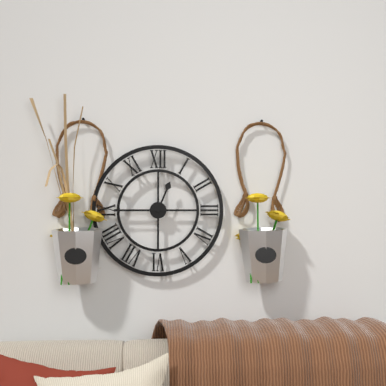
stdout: 12:45
